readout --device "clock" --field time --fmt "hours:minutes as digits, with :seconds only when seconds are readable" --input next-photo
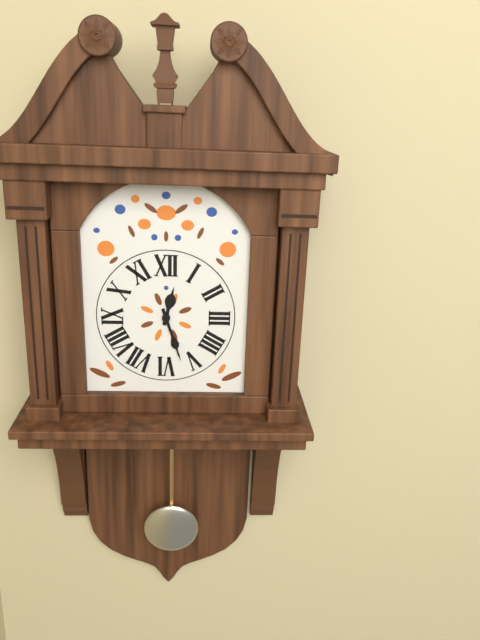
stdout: 12:27
